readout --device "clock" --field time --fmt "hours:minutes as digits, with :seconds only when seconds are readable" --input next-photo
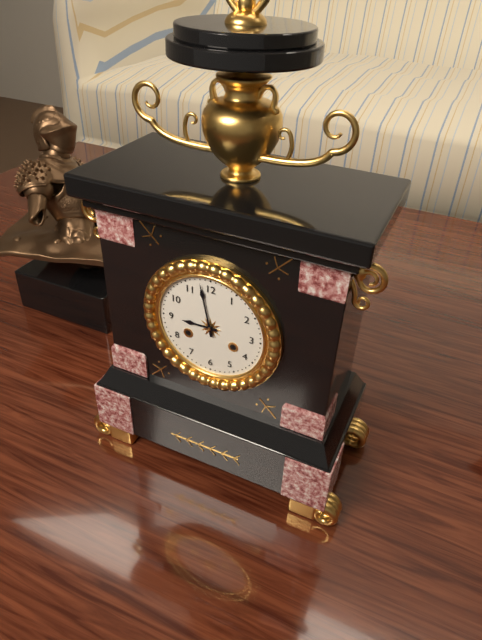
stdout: 8:58
